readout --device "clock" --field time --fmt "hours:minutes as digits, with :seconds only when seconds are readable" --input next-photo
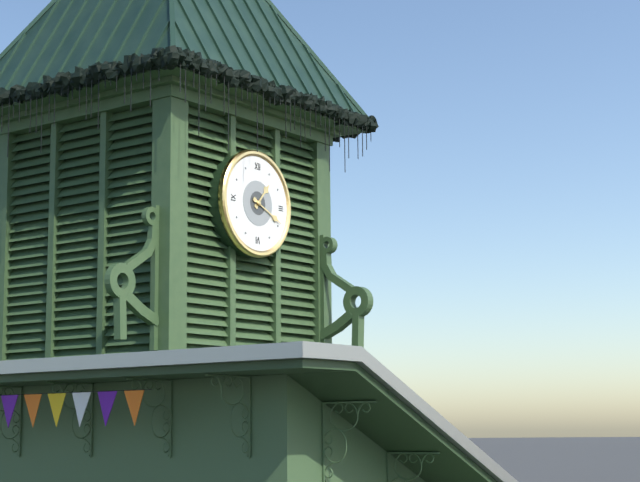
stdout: 1:19
